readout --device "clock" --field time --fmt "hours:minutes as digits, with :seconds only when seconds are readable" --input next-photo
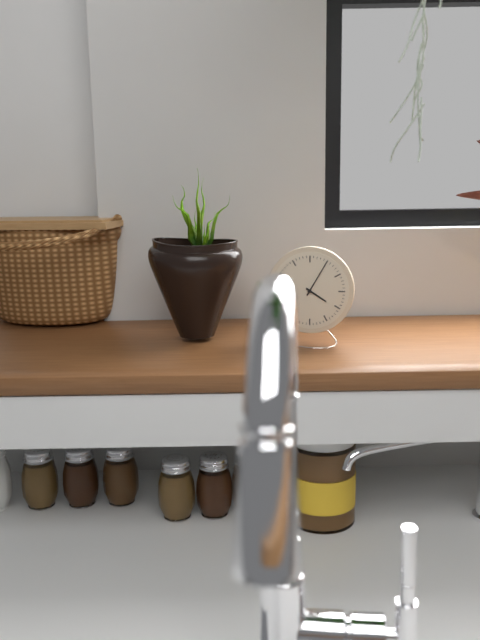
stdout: 4:05
